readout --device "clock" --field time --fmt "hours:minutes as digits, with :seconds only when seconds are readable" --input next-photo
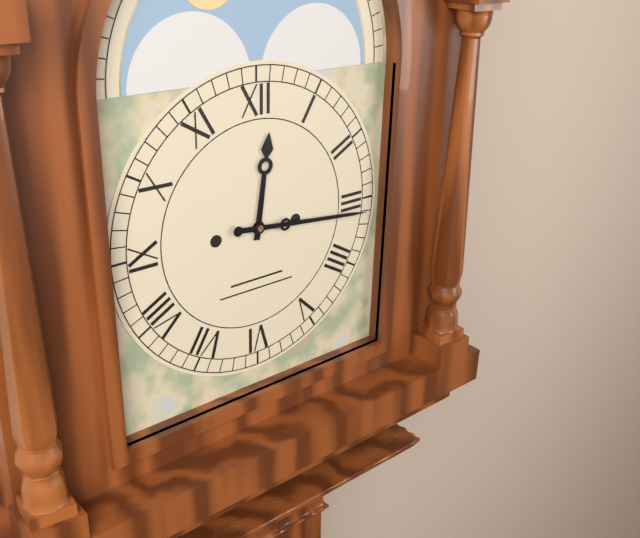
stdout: 12:16
